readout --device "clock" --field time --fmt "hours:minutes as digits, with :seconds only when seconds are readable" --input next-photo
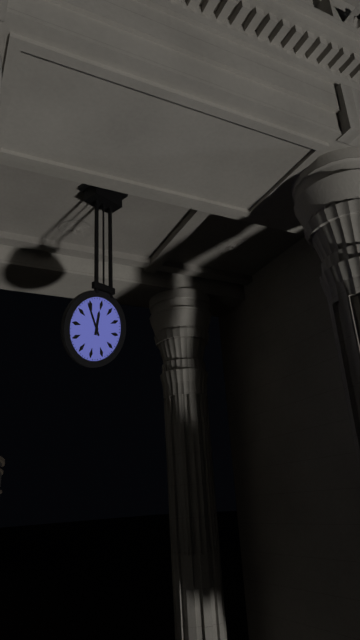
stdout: 11:54
